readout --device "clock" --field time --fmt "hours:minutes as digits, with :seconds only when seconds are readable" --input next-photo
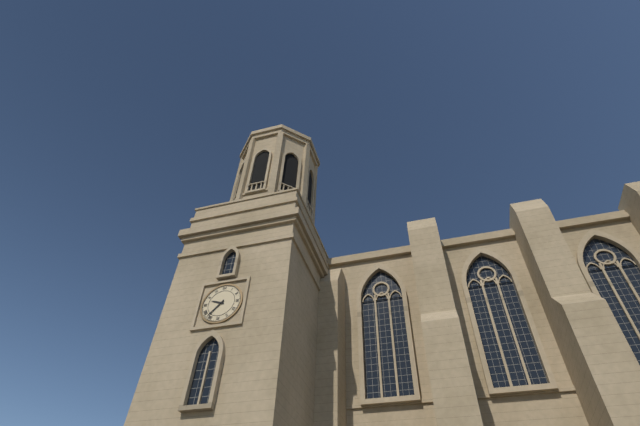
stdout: 9:37
